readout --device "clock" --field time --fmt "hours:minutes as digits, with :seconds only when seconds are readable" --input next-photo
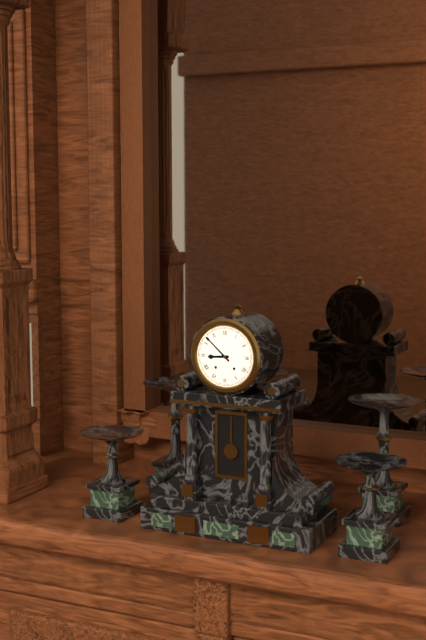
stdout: 8:52
